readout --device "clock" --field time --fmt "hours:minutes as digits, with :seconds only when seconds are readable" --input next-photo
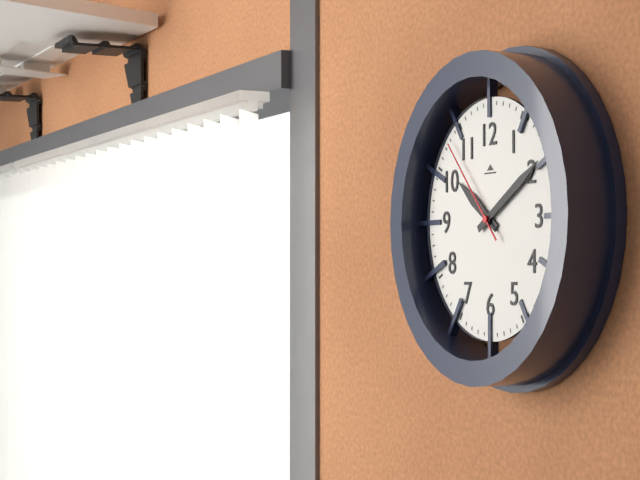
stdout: 10:10:53
